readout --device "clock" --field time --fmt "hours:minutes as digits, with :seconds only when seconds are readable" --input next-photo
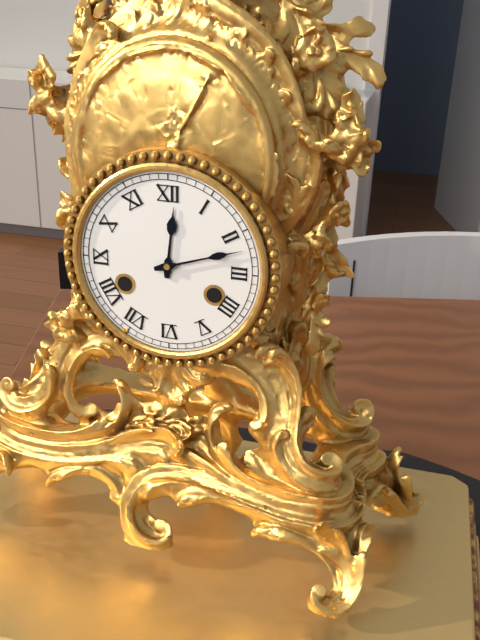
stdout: 12:12
